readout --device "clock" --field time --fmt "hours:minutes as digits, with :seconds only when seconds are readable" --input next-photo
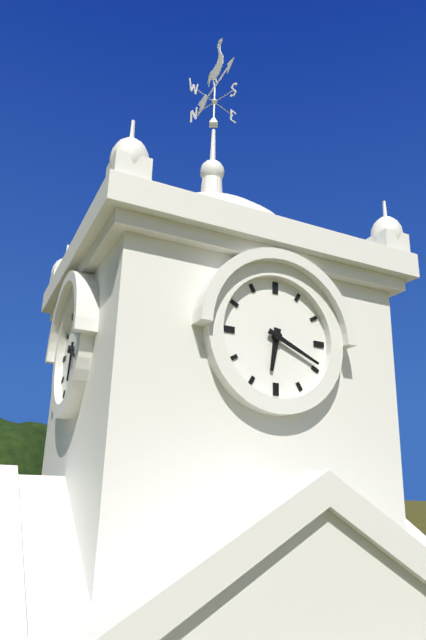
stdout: 6:19
